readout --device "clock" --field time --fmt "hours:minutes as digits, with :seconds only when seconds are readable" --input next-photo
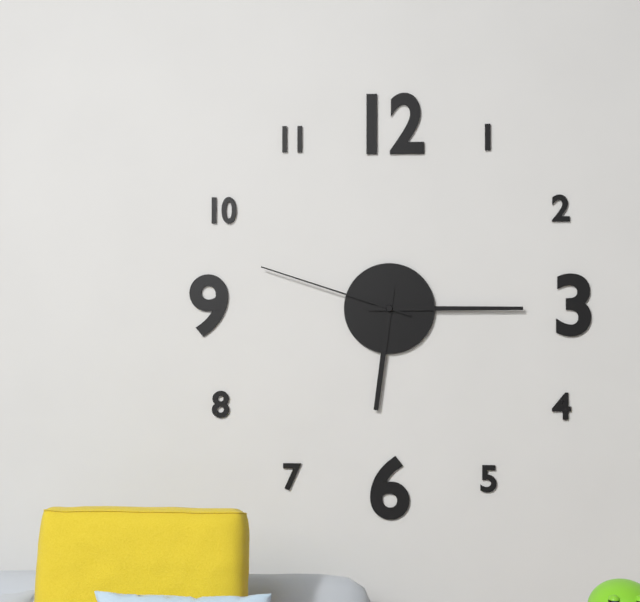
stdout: 6:15:48
